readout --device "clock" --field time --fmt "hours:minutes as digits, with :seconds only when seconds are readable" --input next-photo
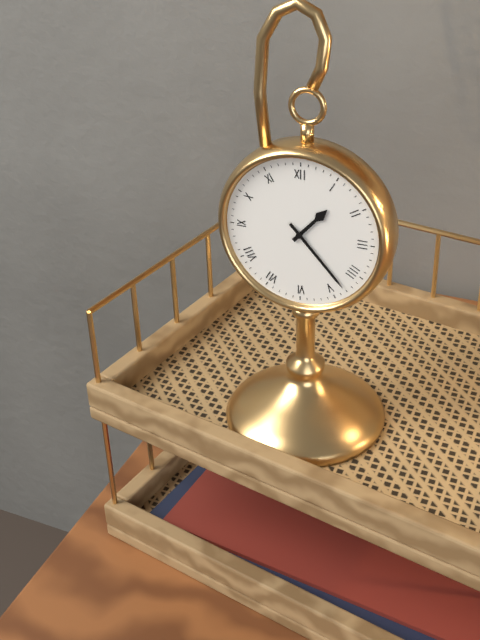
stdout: 1:23
